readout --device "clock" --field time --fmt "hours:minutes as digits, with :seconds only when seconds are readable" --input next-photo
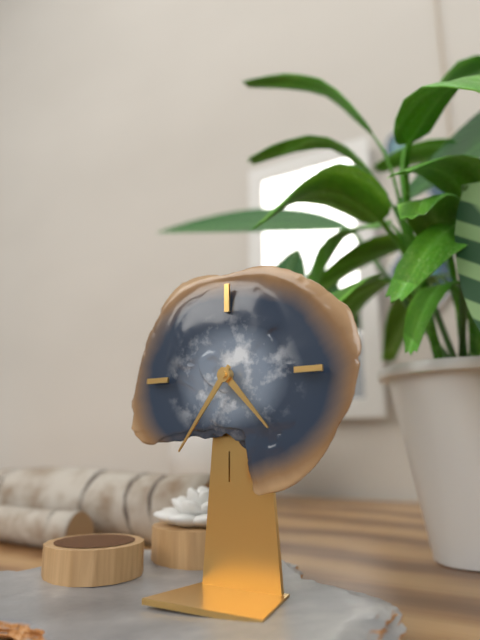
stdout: 4:36
